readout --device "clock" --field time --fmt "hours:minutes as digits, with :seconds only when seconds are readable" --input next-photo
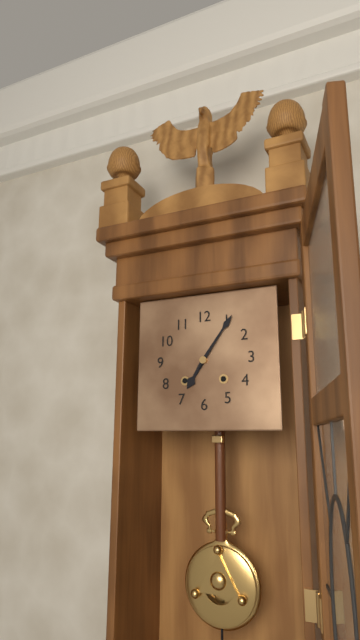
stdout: 7:06
